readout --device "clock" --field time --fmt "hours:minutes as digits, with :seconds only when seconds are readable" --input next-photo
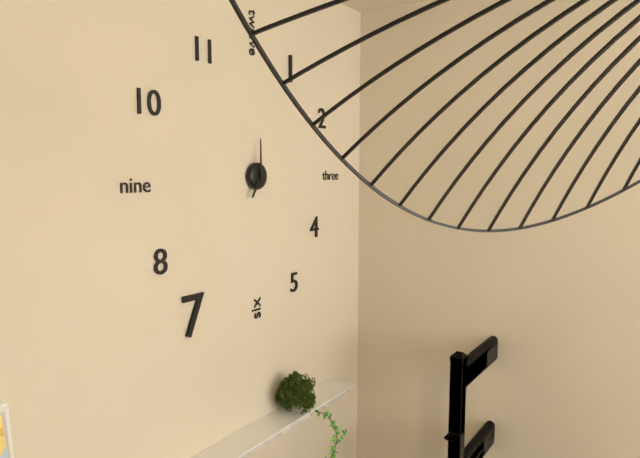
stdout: 7:00
